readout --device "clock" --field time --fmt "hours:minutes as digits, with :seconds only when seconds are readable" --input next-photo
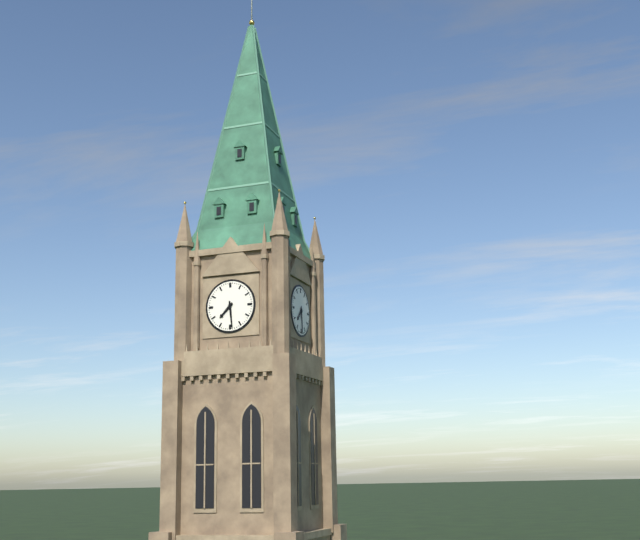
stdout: 7:29
